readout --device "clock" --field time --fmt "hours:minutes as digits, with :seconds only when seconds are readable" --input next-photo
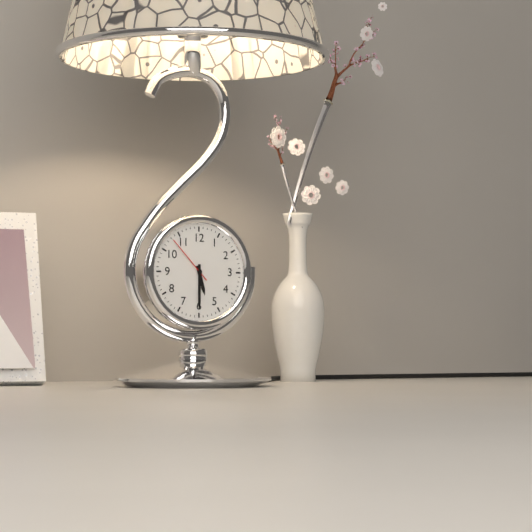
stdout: 5:30:53
